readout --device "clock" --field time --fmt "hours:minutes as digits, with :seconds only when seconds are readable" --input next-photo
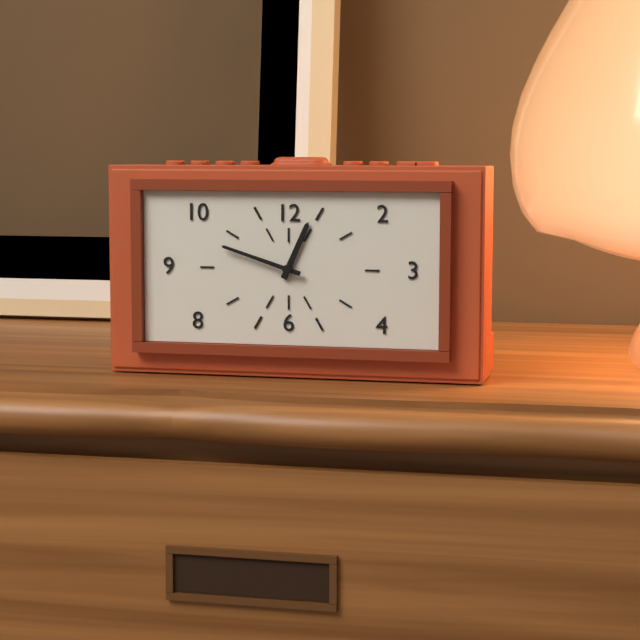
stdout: 12:48
